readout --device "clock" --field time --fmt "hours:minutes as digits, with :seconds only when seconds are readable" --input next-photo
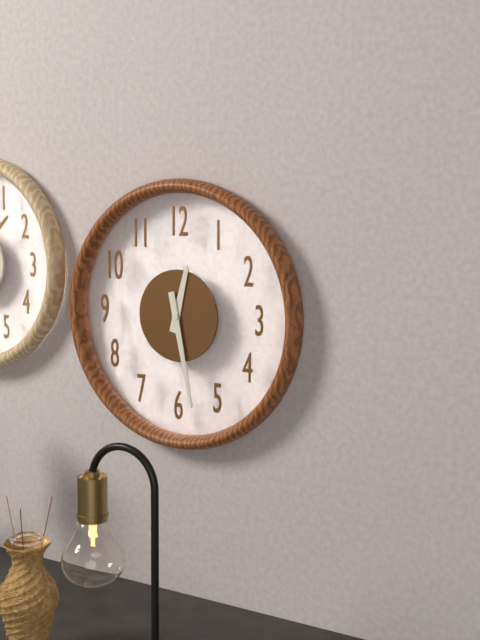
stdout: 12:28
